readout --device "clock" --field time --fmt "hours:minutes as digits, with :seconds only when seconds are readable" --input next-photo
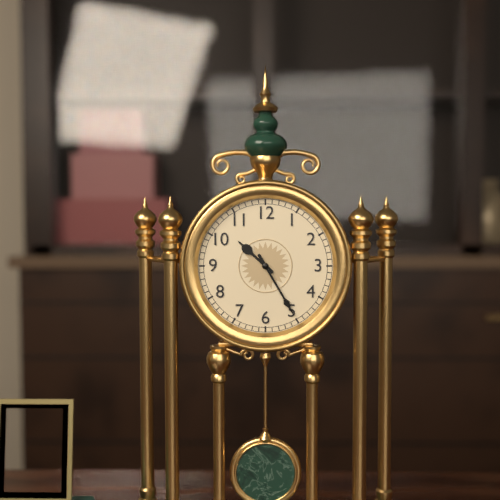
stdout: 10:25
